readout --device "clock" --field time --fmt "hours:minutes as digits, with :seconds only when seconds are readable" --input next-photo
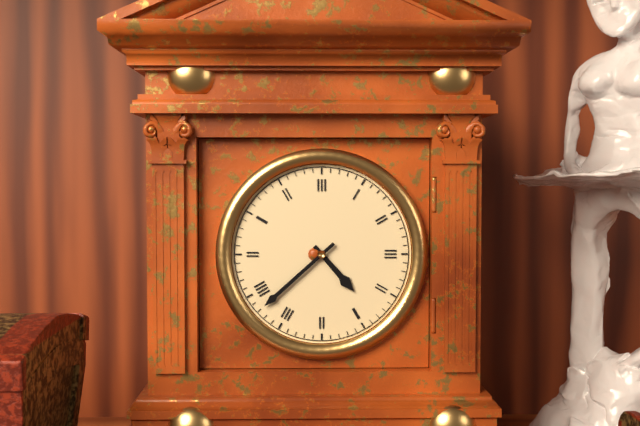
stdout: 4:38
